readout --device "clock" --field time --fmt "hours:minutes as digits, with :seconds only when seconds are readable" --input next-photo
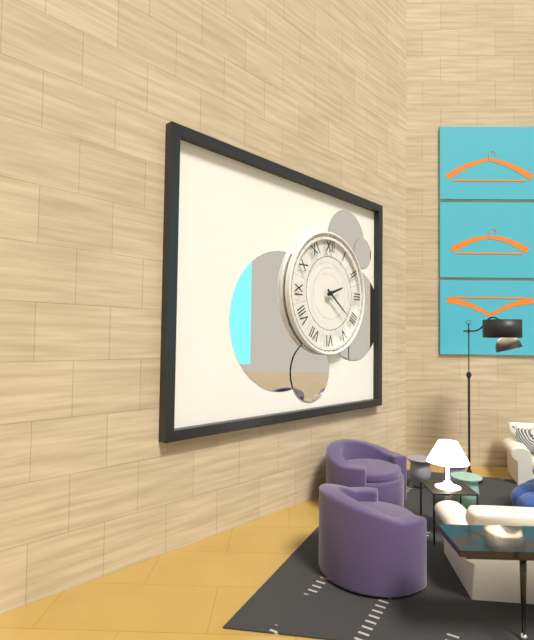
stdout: 2:21
